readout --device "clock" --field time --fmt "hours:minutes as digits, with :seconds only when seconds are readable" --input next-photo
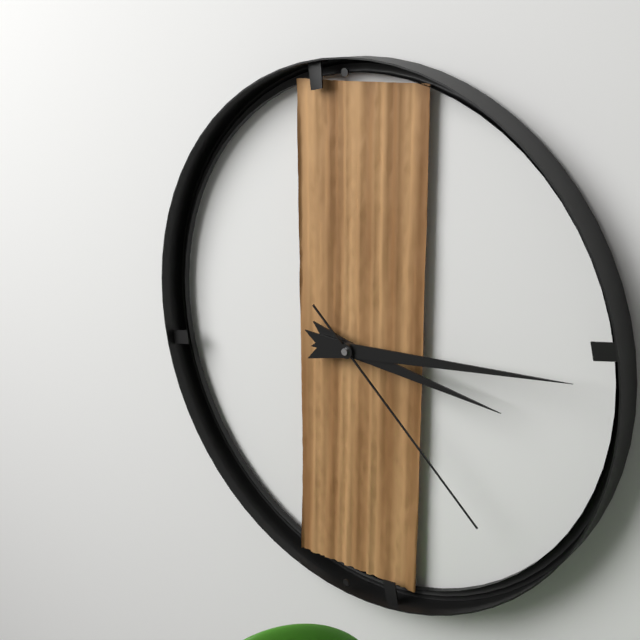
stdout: 3:14:22
